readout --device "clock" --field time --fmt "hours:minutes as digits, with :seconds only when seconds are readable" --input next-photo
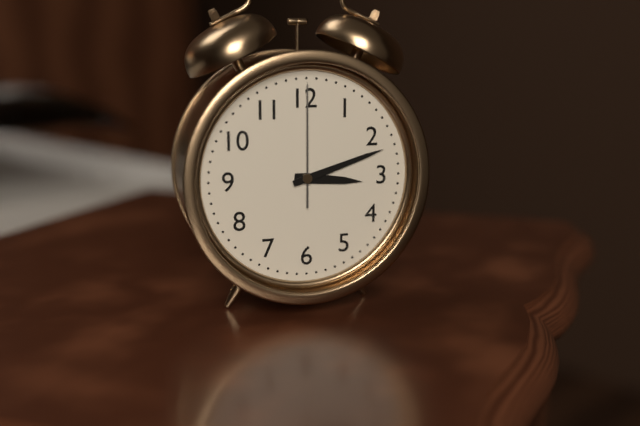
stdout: 3:12:00
